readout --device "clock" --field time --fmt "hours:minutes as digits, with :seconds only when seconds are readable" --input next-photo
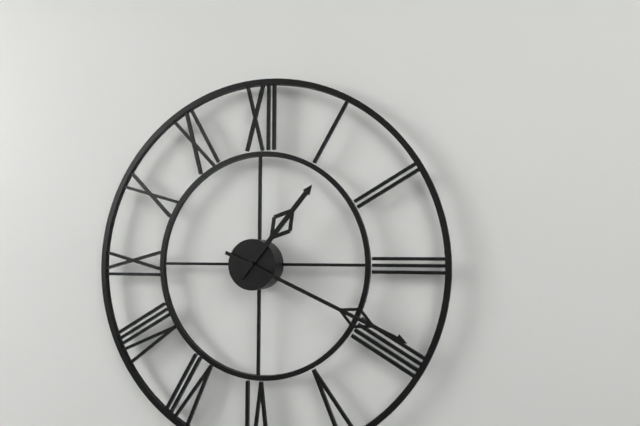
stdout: 1:19
